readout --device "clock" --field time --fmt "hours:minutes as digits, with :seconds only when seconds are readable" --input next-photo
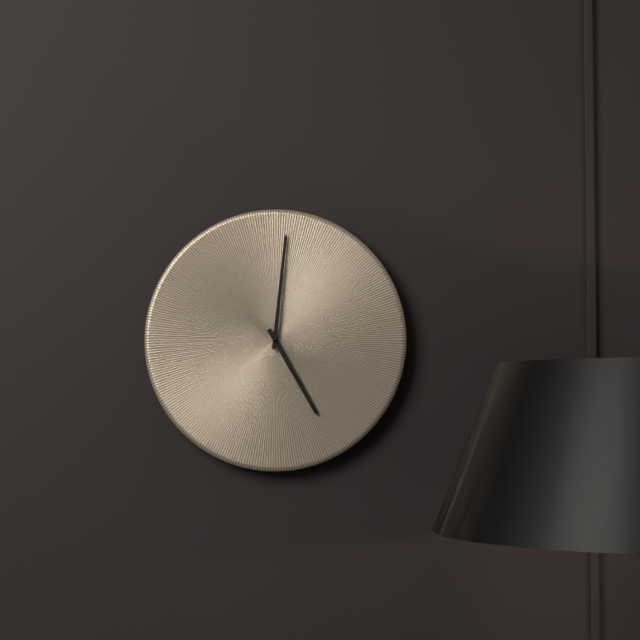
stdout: 5:01
